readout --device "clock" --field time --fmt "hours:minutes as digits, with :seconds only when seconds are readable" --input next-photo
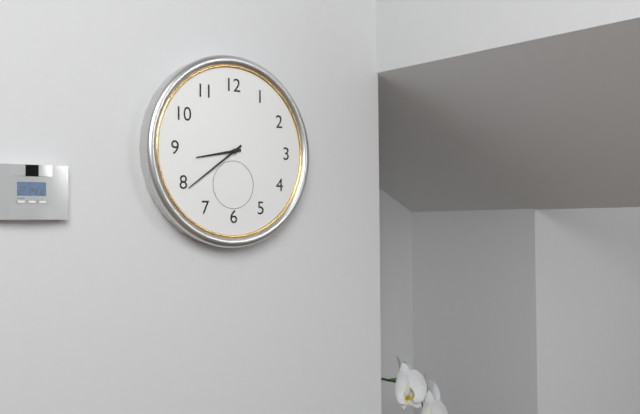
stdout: 8:39
